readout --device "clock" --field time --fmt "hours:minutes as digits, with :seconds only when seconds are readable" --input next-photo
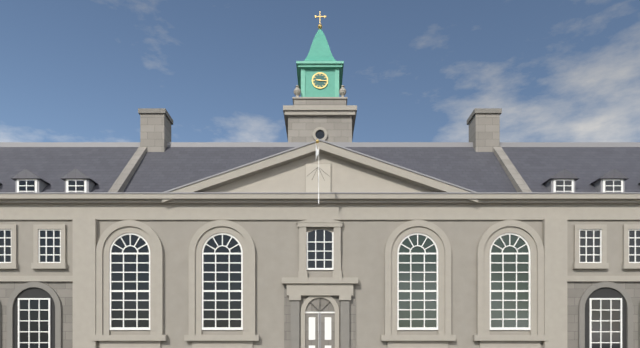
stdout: 9:16
